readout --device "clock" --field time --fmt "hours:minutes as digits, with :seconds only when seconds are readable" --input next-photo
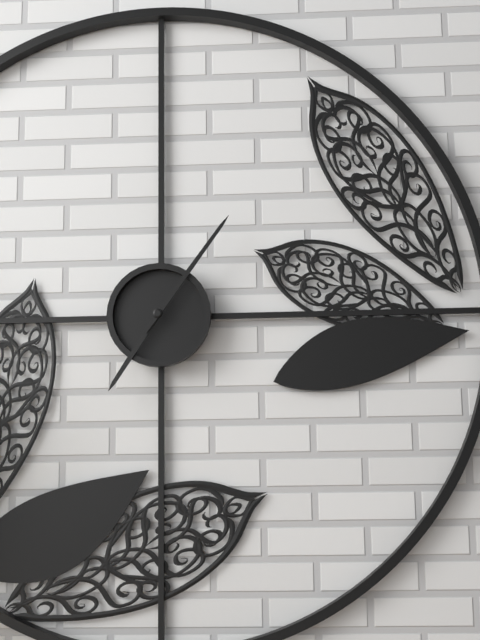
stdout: 7:06
